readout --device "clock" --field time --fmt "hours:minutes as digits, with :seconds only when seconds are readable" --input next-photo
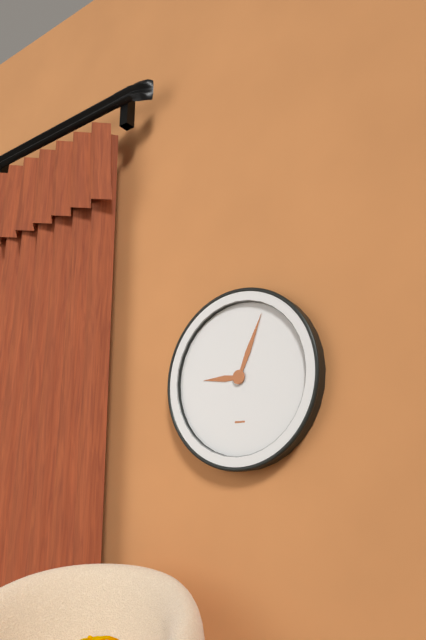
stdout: 9:04
